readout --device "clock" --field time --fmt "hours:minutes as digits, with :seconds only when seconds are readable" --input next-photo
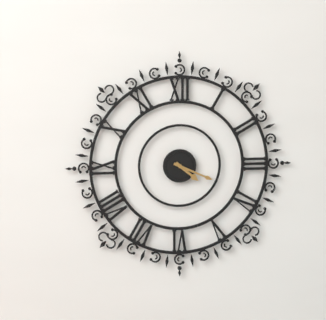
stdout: 4:19
